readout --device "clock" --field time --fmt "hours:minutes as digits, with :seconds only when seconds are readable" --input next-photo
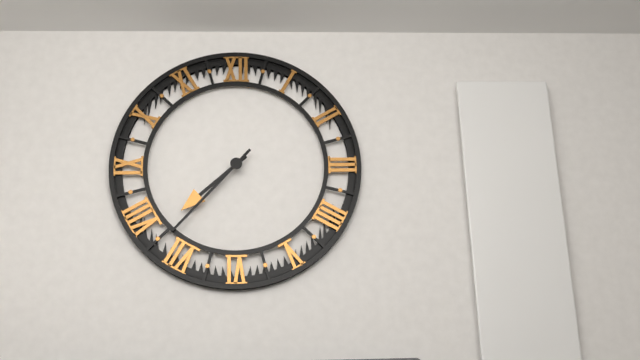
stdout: 7:37
